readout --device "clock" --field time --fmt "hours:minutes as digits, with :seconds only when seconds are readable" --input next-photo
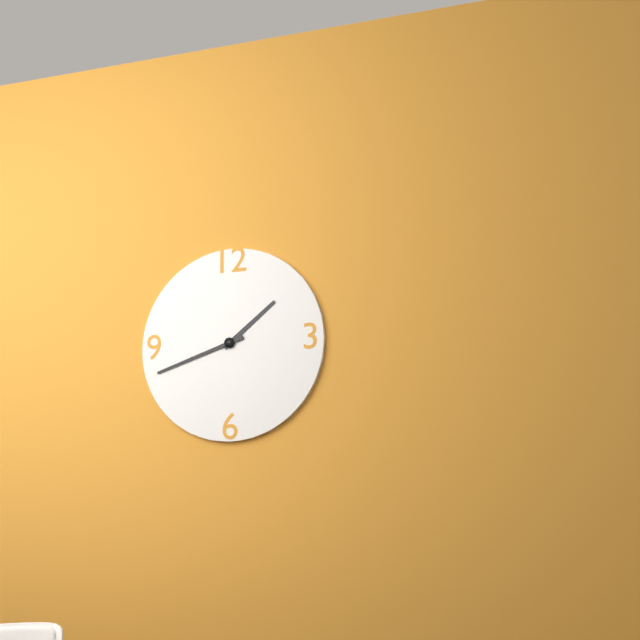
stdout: 1:42
